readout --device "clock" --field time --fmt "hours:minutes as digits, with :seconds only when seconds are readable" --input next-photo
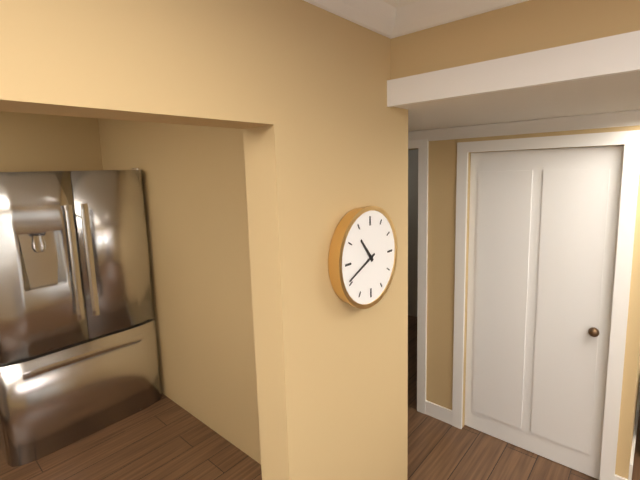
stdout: 10:41
